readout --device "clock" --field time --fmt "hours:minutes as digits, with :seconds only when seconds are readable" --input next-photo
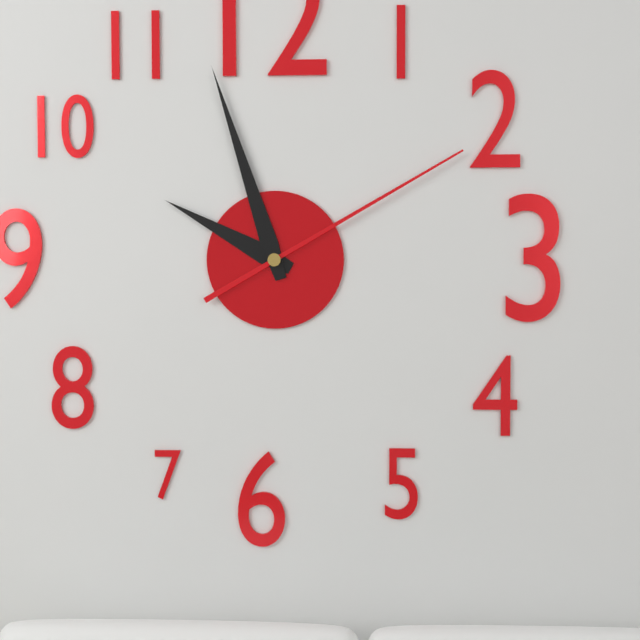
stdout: 9:57:10
